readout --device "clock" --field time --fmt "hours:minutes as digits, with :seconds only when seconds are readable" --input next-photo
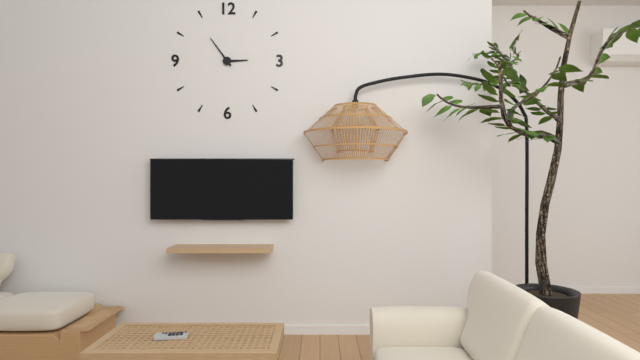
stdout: 2:54
